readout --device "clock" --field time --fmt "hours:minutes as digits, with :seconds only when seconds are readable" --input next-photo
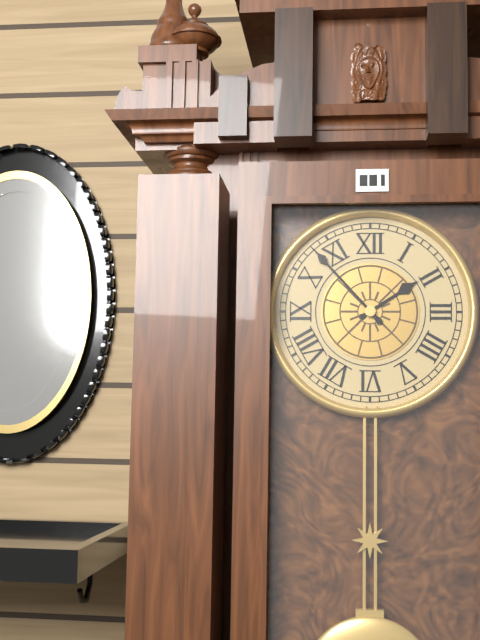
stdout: 1:53
